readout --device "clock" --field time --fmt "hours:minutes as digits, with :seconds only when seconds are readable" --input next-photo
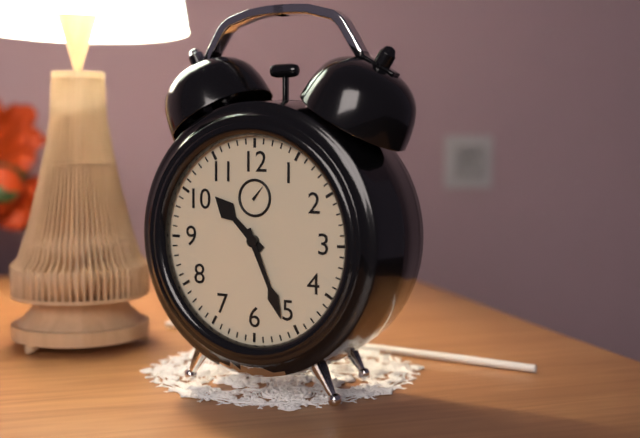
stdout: 10:26
